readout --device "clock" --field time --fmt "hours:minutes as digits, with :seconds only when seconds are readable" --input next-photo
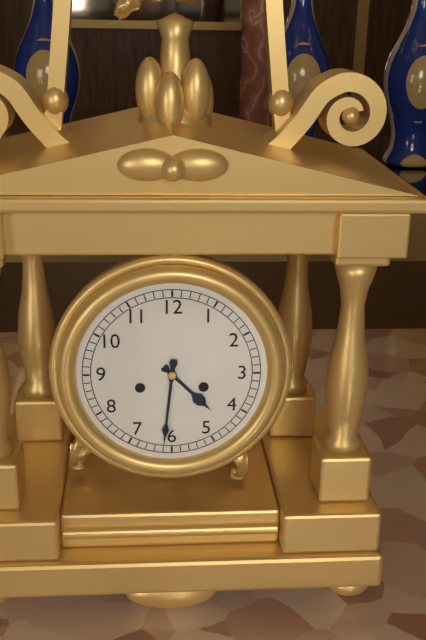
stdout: 4:31
